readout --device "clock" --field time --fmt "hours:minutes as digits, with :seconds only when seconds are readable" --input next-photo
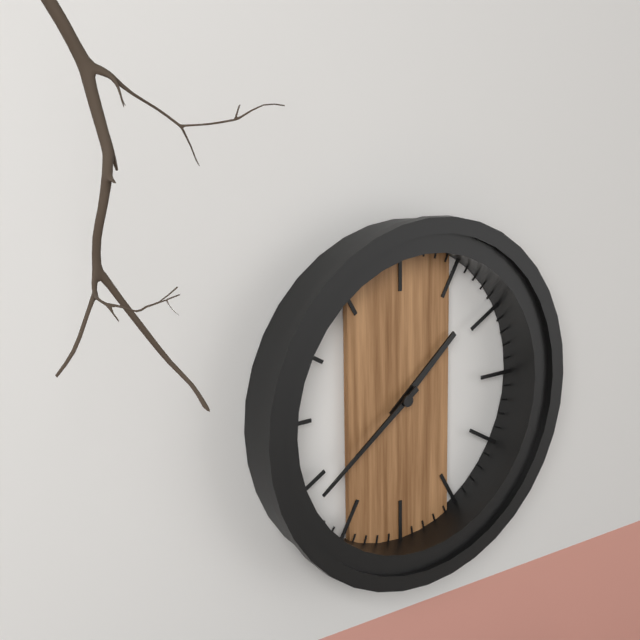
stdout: 1:39
